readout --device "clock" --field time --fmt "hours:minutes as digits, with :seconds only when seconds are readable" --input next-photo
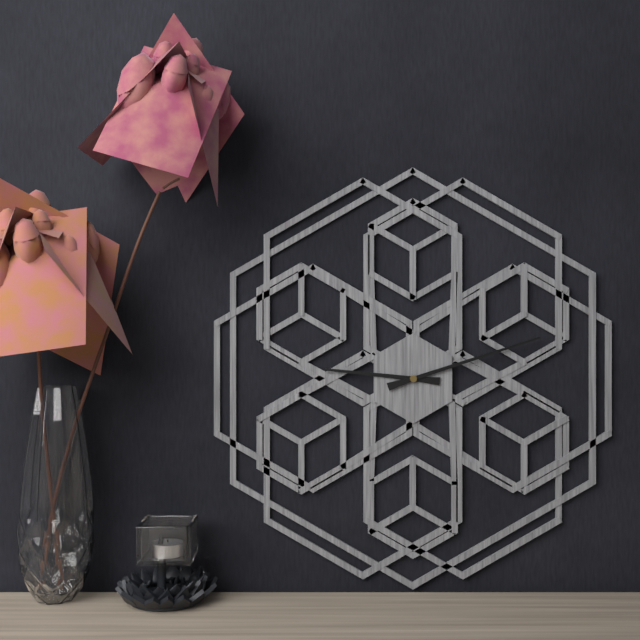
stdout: 9:12
